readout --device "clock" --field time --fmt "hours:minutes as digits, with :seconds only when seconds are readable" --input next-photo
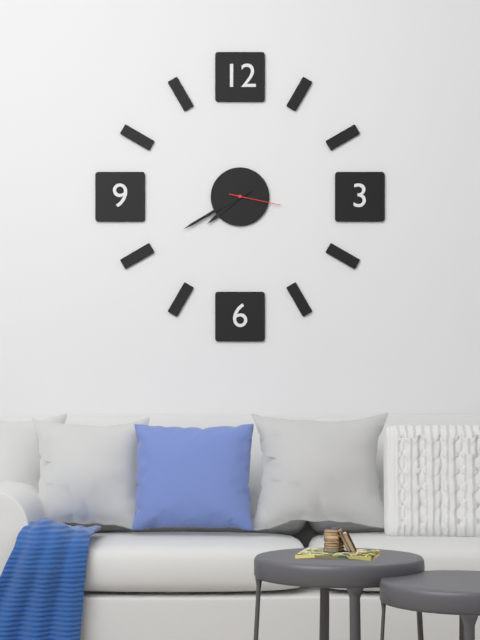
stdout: 7:40:17
